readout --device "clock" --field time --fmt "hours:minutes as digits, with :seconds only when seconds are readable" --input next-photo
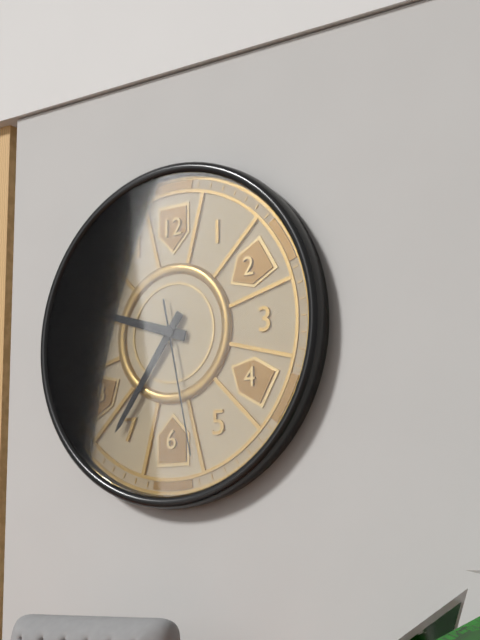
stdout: 9:36:28
